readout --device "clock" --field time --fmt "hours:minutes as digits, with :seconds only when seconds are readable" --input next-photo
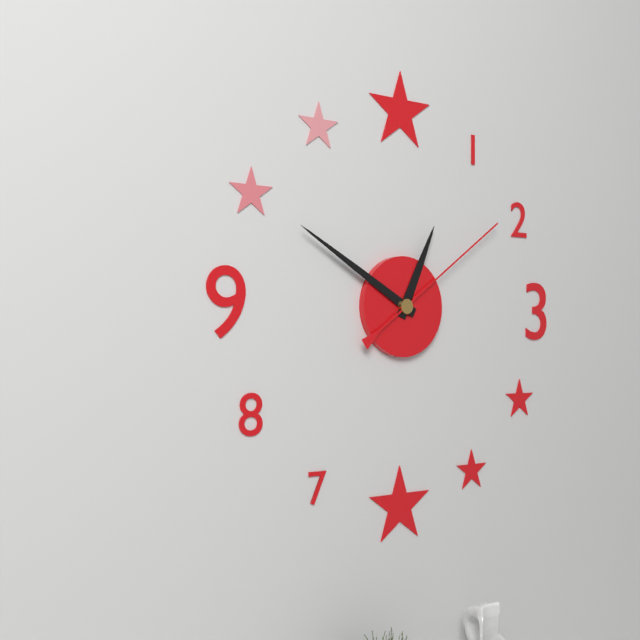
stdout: 12:50:09
